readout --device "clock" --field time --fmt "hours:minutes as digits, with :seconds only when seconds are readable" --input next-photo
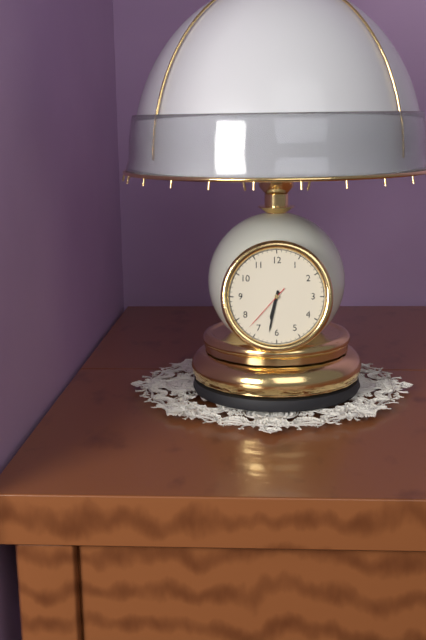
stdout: 6:32:37
